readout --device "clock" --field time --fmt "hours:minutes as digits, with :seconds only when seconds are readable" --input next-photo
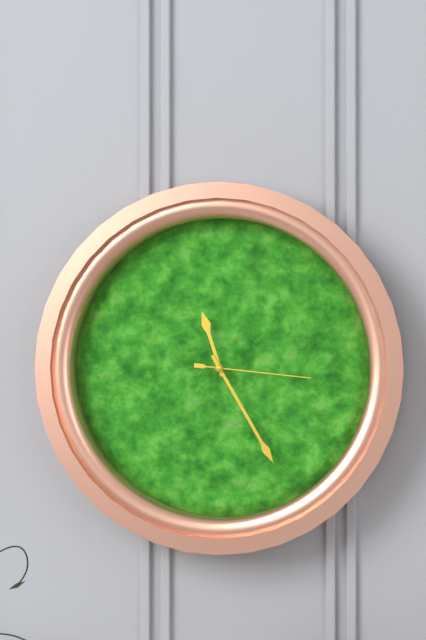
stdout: 11:25:16
